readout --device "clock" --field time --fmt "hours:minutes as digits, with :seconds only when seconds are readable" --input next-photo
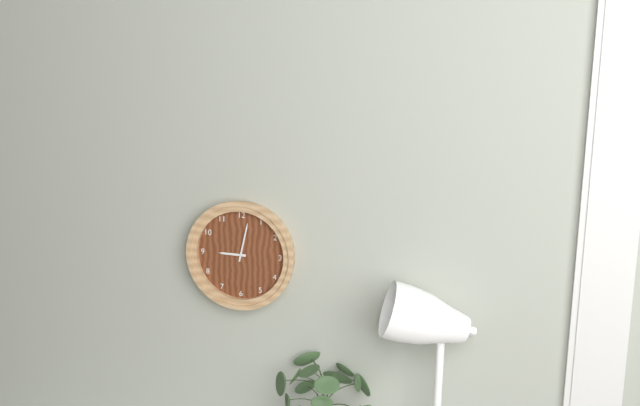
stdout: 9:02
